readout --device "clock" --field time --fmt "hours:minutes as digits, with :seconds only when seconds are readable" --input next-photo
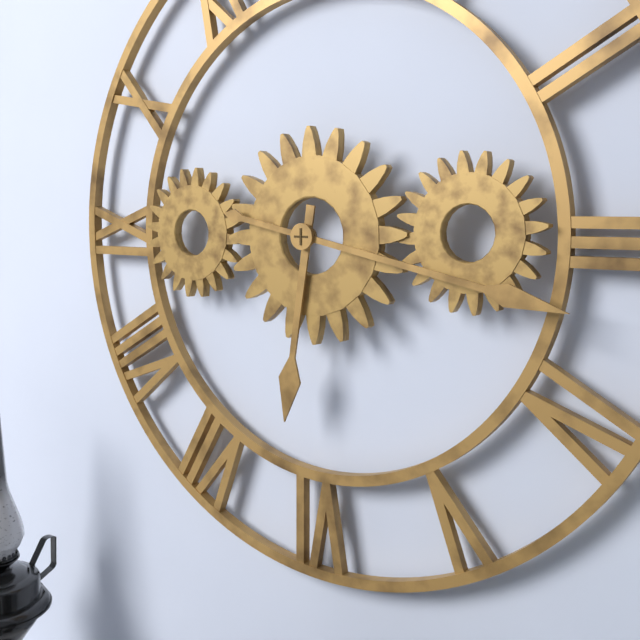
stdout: 6:17
